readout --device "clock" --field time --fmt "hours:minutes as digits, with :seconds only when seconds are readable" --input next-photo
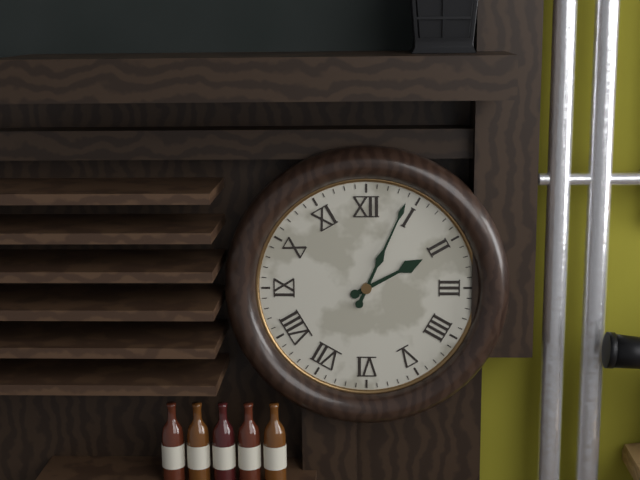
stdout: 2:04
